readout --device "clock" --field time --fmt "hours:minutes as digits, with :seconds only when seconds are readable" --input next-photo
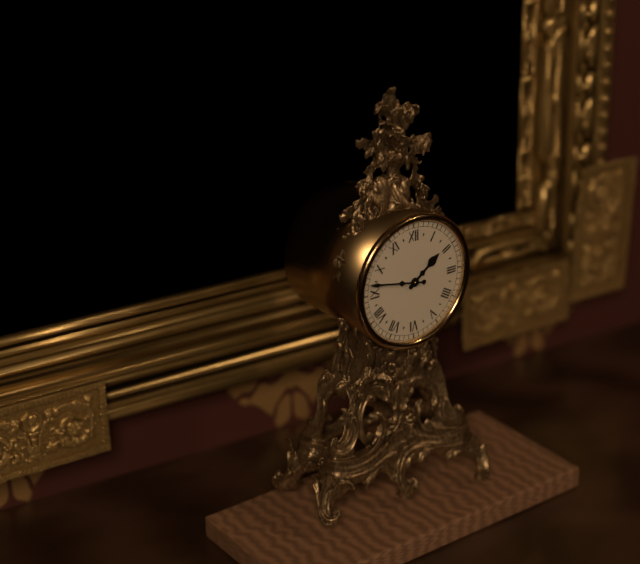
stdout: 1:47
